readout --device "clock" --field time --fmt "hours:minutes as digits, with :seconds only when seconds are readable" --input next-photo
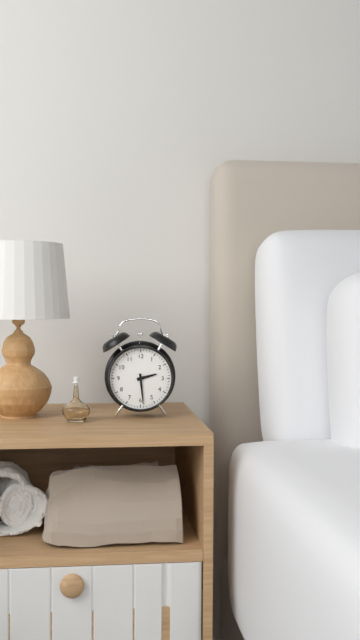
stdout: 2:29
